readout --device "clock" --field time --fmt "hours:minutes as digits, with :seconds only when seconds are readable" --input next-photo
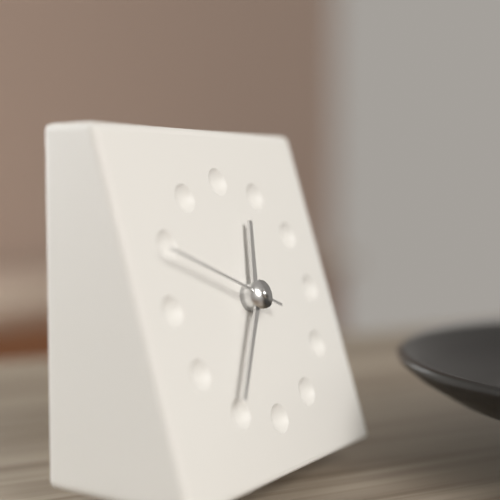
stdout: 12:36:49
